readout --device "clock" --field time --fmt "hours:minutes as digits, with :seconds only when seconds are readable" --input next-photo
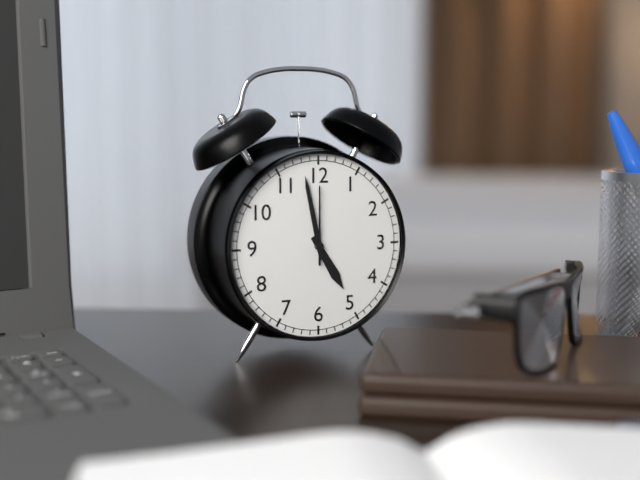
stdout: 4:58:00
